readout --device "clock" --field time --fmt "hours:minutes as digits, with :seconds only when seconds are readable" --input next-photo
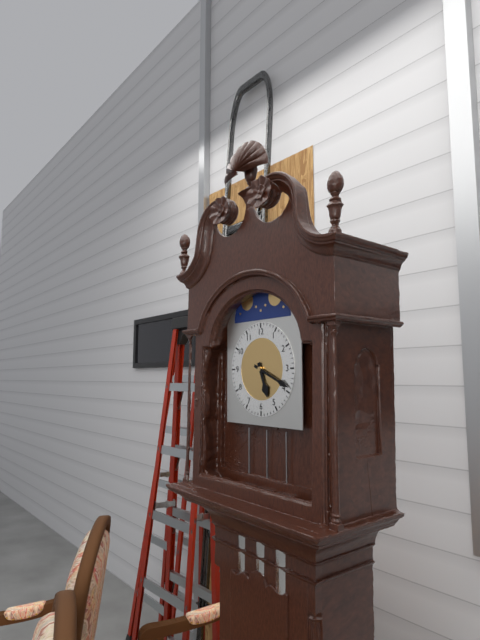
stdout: 5:19
